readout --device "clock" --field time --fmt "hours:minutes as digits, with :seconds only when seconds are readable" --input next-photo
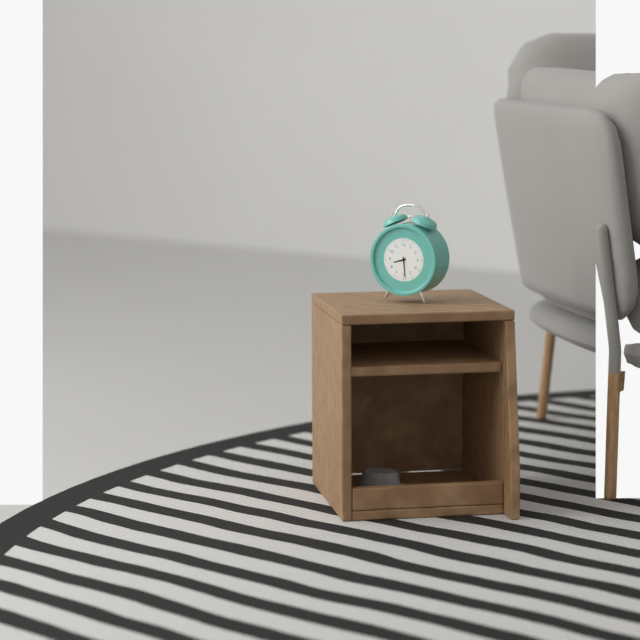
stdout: 8:29
